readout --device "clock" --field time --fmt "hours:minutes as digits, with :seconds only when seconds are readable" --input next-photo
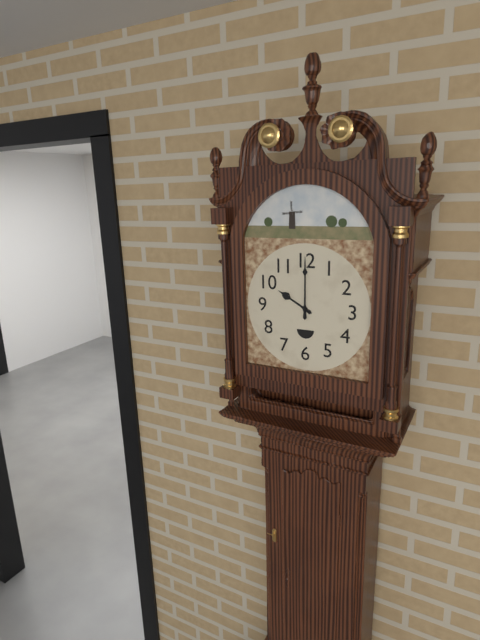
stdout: 10:00
